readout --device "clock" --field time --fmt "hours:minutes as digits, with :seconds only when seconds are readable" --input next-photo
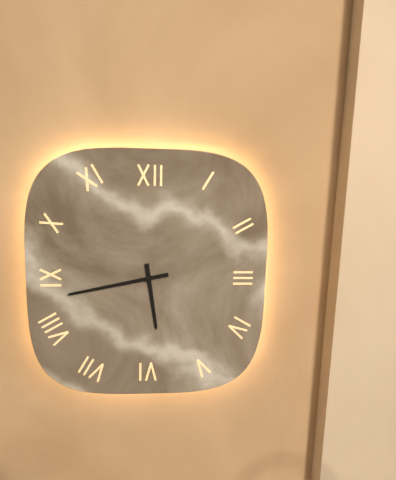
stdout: 5:43
